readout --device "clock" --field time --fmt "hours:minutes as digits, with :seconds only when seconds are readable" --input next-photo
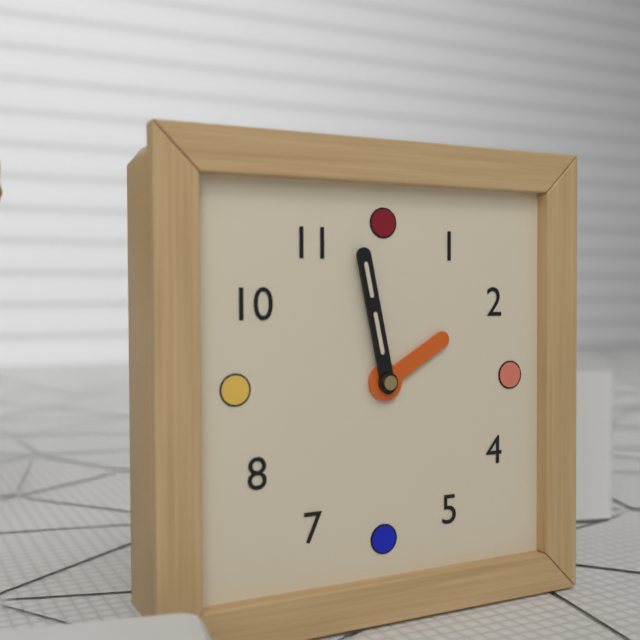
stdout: 1:58
